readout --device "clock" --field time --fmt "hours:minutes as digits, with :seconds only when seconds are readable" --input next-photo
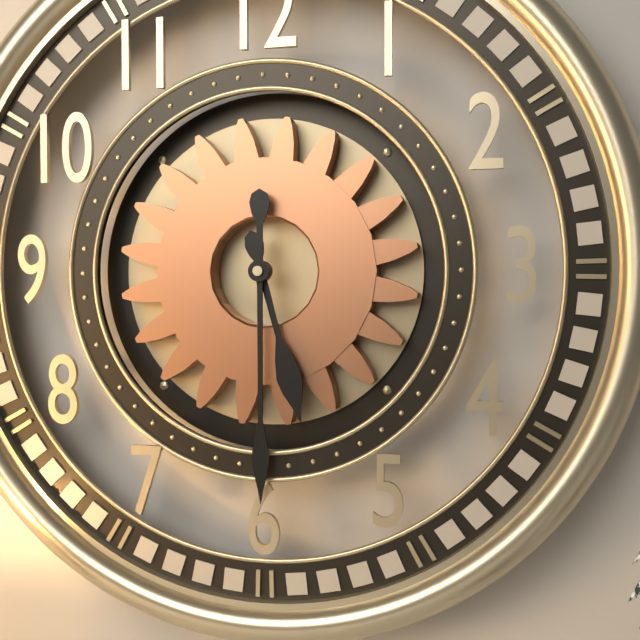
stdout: 5:30
